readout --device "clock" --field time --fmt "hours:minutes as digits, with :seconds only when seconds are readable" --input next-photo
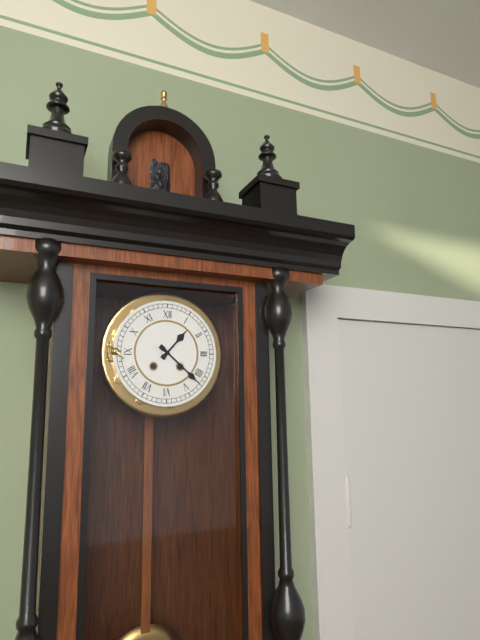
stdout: 1:22
